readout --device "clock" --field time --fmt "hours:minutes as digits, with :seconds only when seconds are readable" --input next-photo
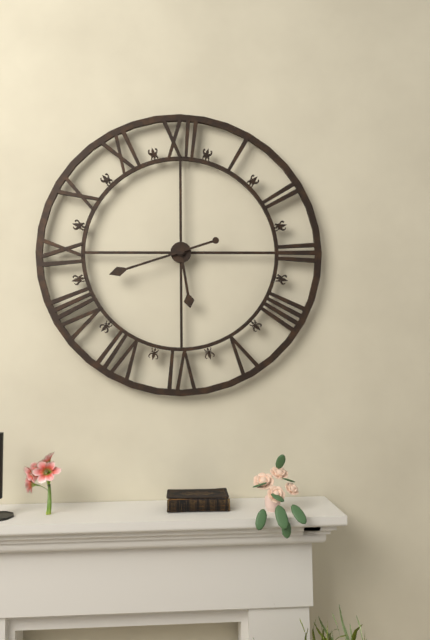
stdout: 5:42
